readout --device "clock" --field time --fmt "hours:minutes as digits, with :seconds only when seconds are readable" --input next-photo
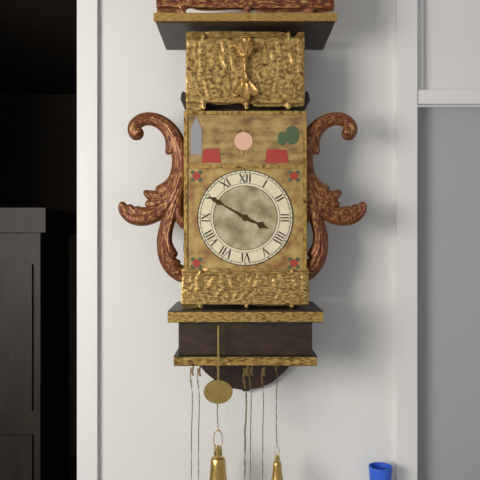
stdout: 3:50
